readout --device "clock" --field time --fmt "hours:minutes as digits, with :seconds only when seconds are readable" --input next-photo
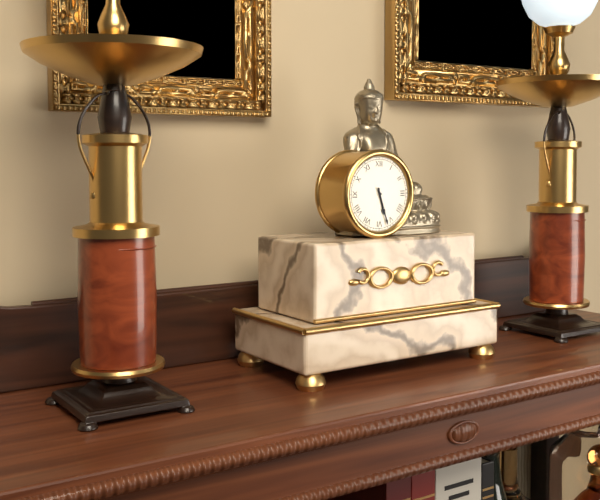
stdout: 5:27
